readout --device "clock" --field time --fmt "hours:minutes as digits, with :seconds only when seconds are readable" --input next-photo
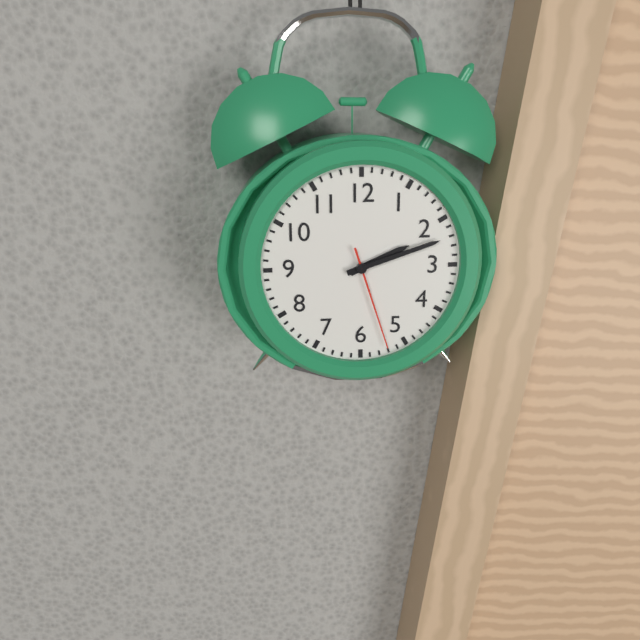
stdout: 2:12:27
